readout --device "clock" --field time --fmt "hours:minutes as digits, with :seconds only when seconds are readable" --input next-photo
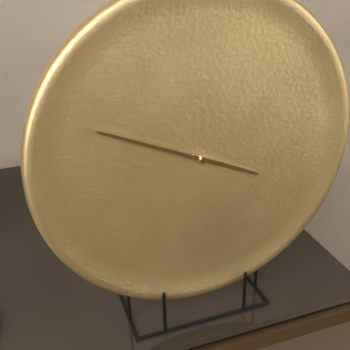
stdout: 3:49
